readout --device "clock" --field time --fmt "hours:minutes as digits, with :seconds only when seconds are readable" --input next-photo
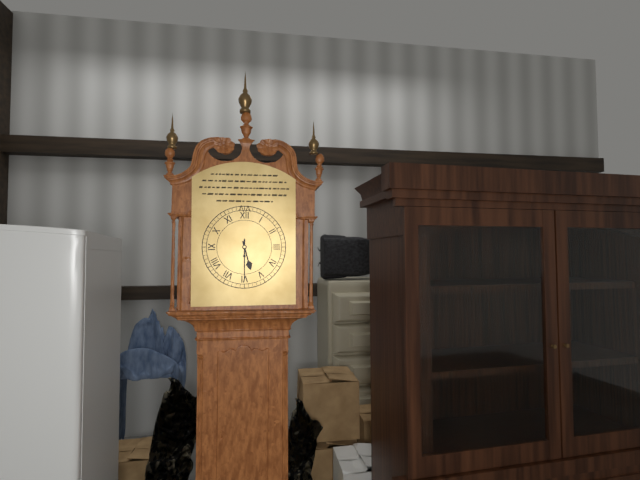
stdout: 5:30
